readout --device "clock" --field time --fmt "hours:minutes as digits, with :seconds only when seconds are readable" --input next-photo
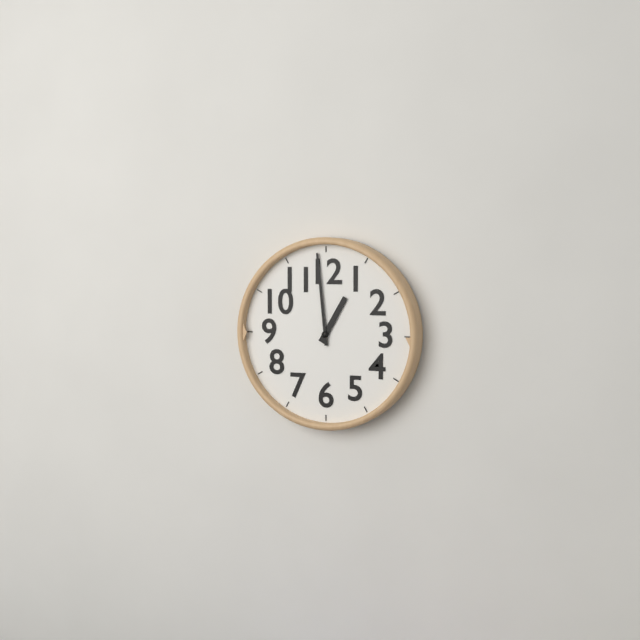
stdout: 12:59
